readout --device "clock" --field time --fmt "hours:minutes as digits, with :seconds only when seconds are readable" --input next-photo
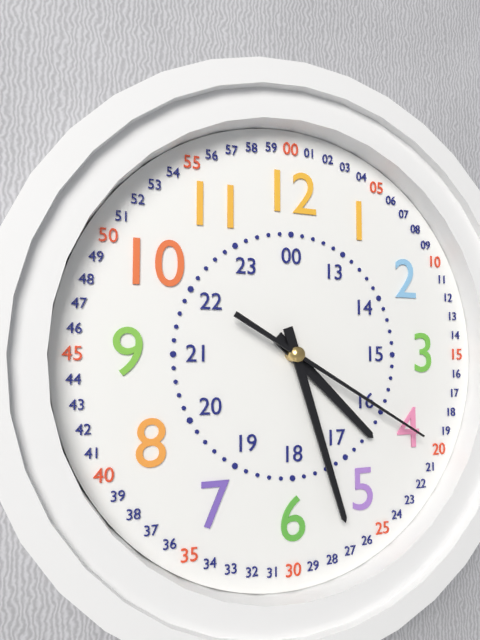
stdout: 4:27:20
